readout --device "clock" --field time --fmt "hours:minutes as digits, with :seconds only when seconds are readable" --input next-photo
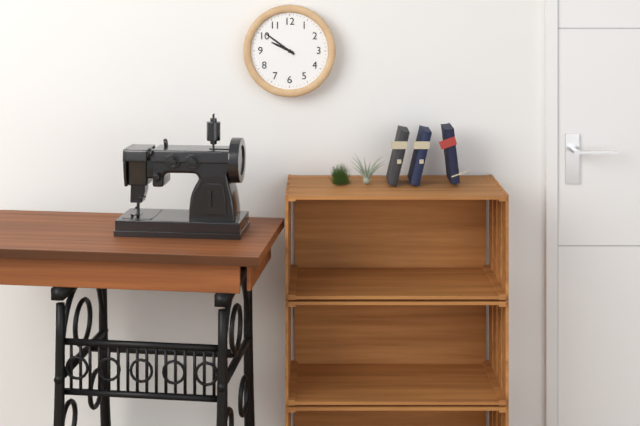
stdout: 9:51
